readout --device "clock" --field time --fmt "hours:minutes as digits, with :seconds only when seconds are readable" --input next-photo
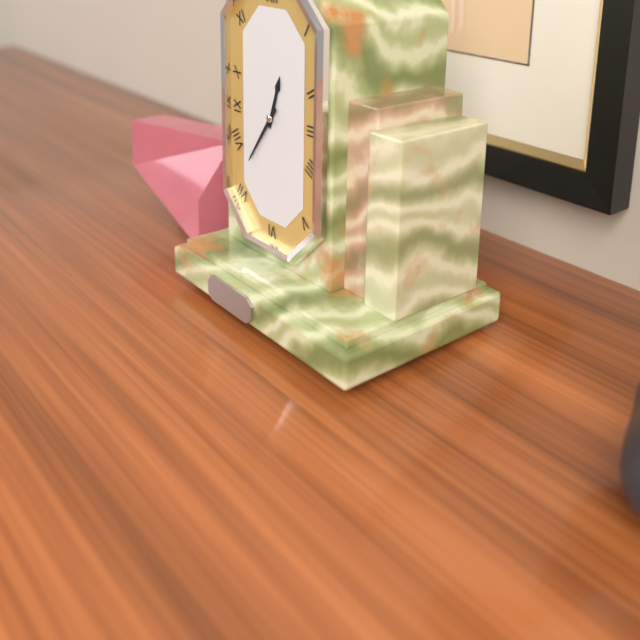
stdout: 12:36
